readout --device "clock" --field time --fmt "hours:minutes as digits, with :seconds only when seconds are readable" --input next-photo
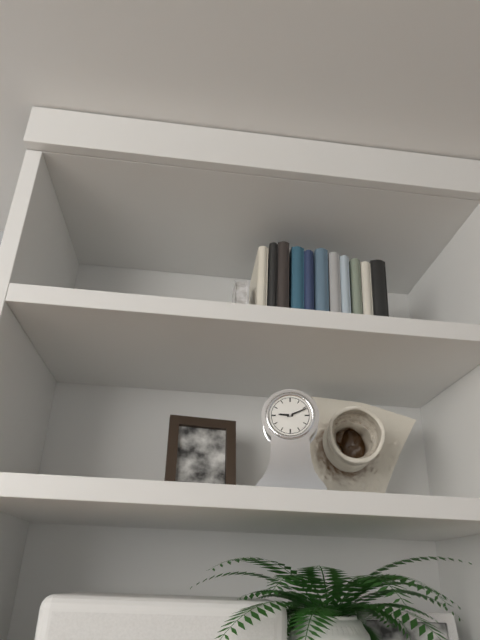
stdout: 9:11
